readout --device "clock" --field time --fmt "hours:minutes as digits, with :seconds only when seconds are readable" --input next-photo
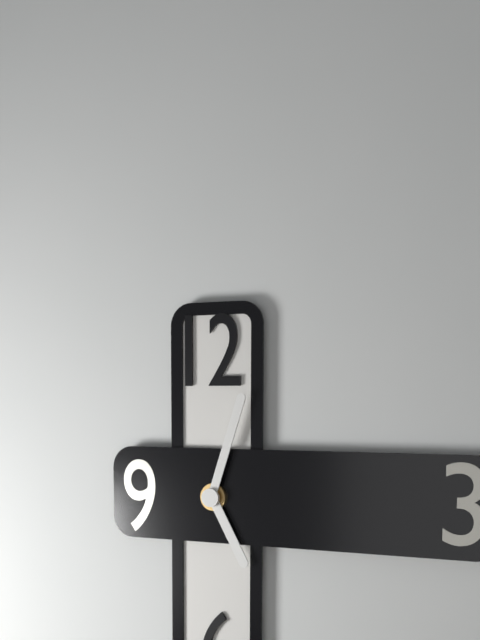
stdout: 5:03
